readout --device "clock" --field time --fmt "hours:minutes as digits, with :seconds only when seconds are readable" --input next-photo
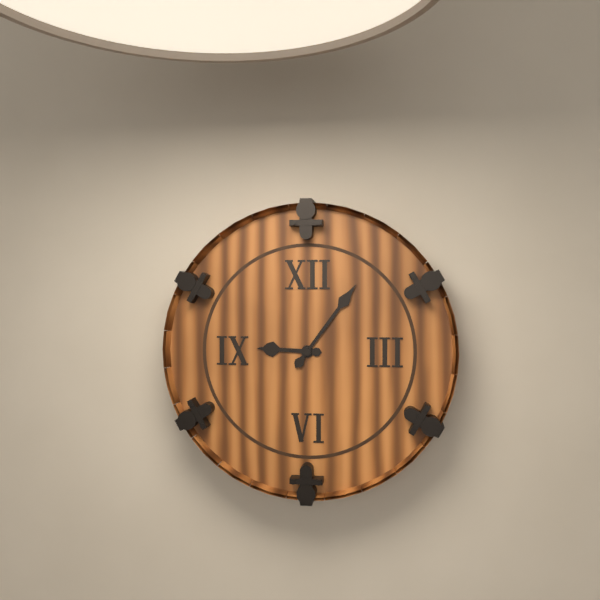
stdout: 9:06
